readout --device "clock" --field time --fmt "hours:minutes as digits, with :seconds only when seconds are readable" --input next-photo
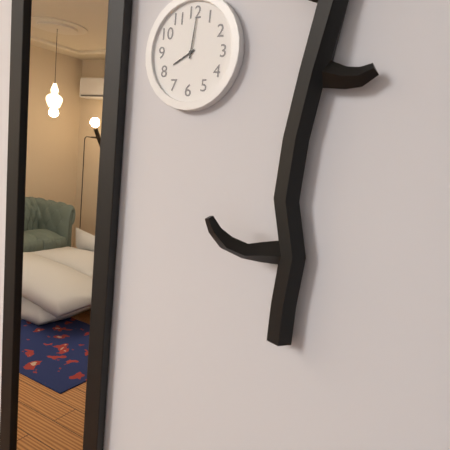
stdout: 8:01
